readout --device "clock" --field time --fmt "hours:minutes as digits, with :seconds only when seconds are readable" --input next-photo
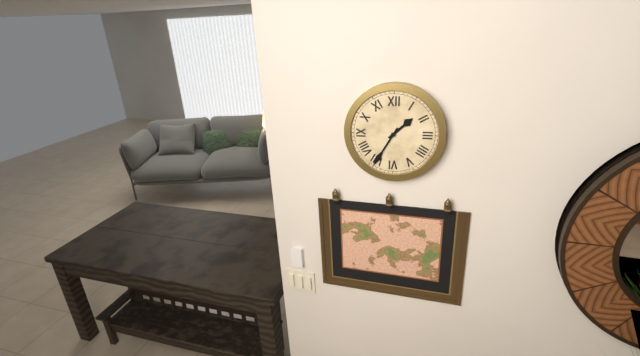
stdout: 1:35
